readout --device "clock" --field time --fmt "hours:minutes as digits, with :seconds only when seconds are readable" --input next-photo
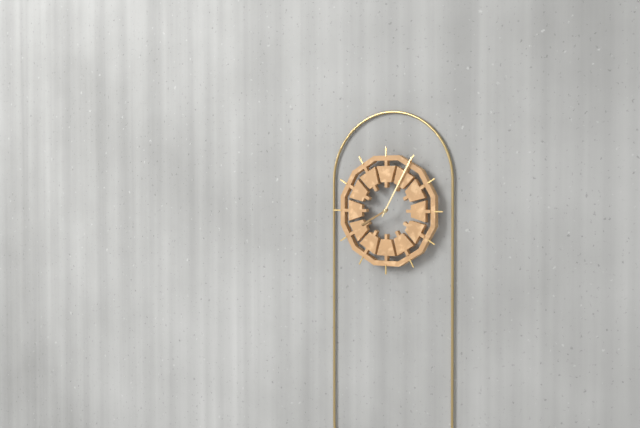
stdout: 8:05
